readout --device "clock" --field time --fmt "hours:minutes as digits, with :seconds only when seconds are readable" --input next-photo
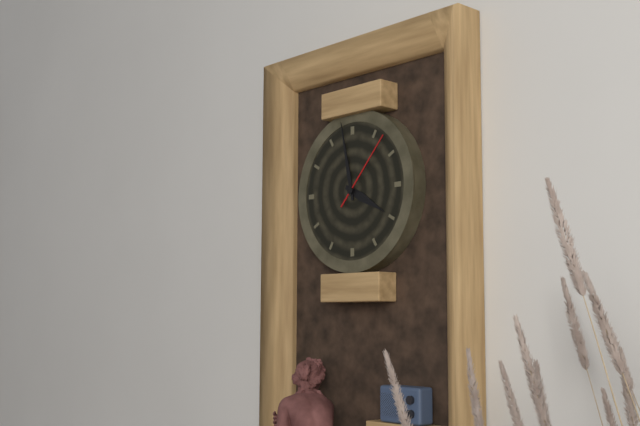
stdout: 3:58:07
